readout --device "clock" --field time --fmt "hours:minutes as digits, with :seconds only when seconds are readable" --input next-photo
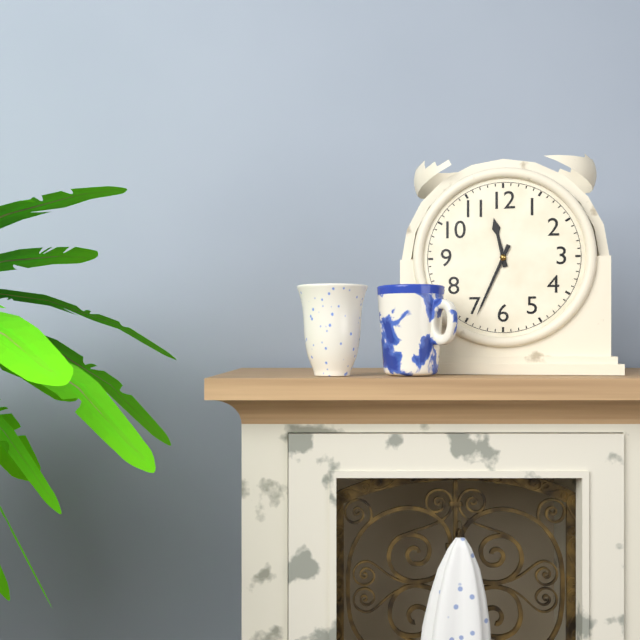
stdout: 11:34
